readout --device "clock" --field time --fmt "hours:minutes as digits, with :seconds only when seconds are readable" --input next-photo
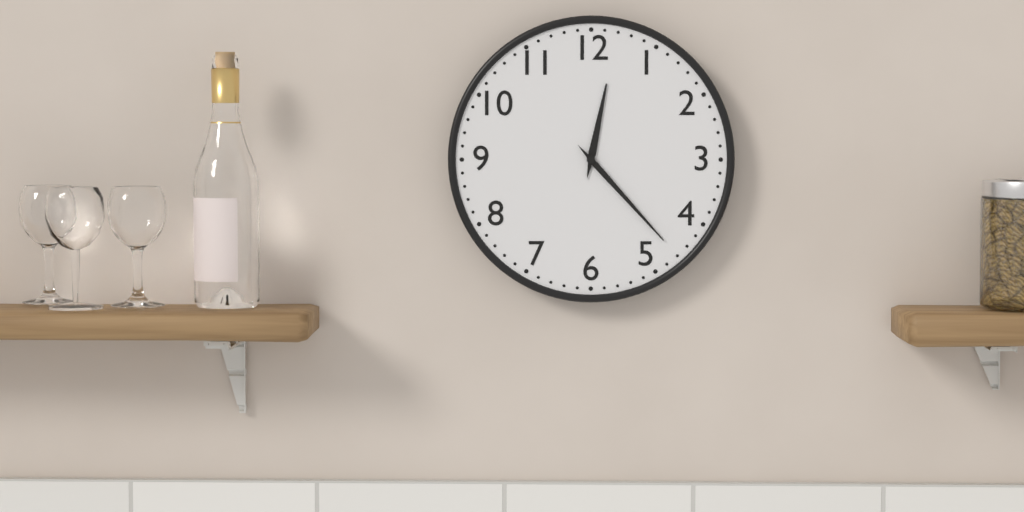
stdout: 12:23
